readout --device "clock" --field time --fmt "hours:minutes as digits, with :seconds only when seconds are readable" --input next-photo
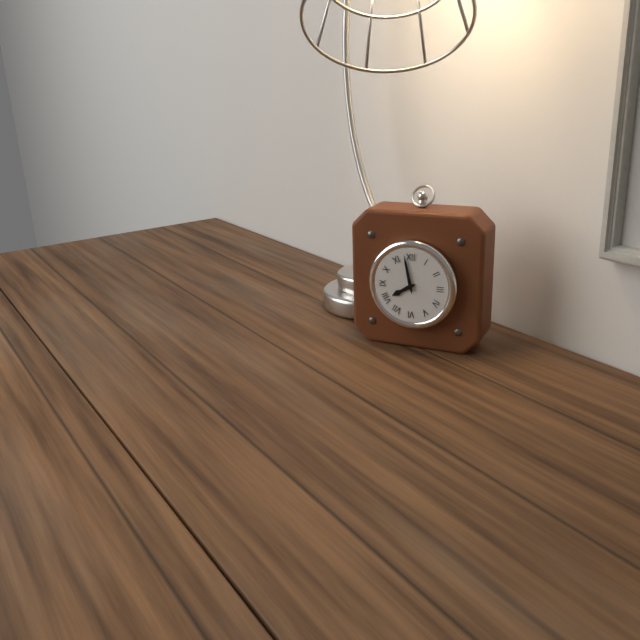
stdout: 7:58
